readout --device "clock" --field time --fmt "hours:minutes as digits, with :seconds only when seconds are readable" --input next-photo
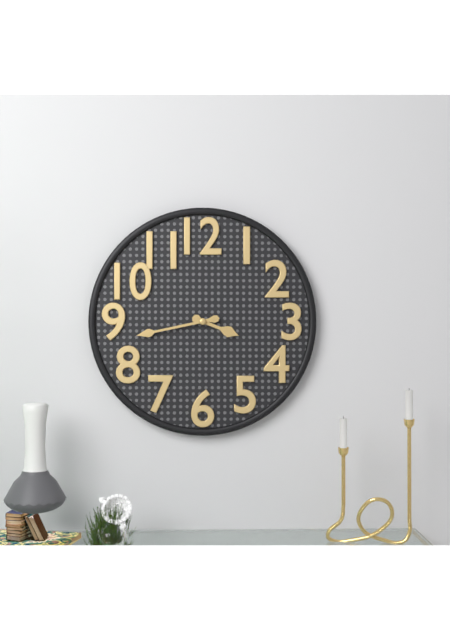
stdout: 3:43
